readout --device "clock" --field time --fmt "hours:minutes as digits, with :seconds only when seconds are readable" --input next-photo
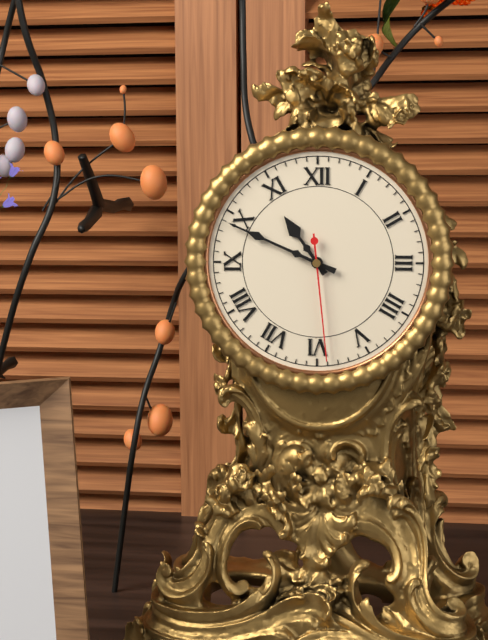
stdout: 10:49:29
